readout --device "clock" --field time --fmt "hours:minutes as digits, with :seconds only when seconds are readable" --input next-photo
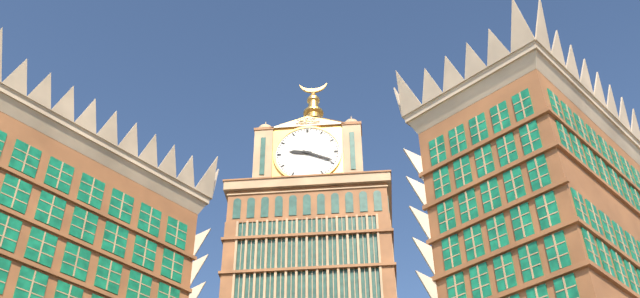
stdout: 9:19
